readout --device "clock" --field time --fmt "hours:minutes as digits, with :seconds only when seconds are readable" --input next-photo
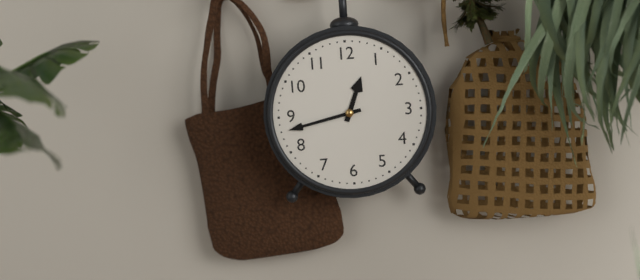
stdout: 12:43
